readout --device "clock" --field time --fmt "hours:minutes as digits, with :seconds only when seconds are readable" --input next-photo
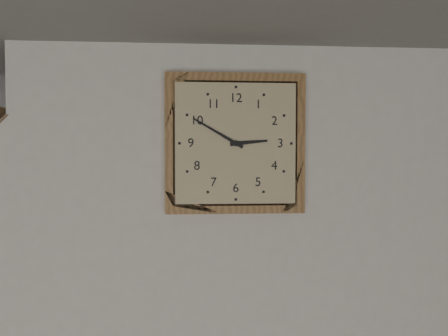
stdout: 2:50
